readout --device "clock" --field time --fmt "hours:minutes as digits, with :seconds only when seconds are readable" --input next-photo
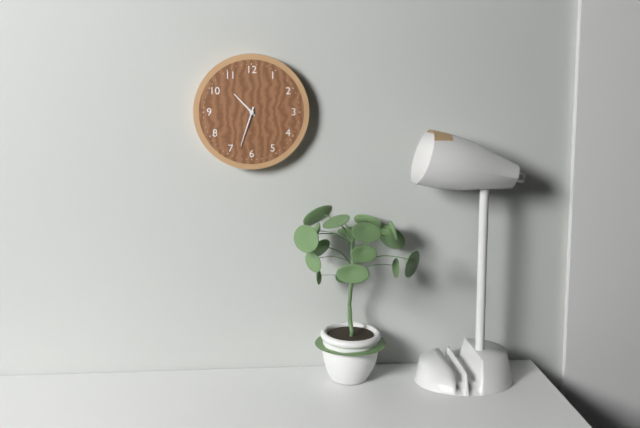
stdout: 10:33
